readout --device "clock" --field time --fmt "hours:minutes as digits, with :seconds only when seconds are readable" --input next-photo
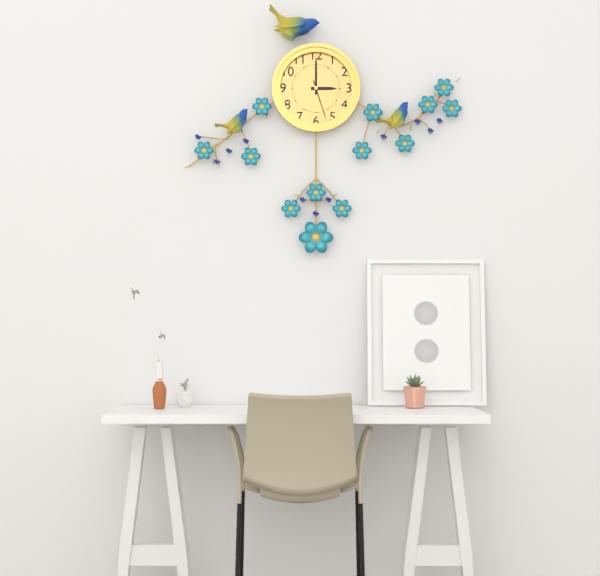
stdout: 3:00
